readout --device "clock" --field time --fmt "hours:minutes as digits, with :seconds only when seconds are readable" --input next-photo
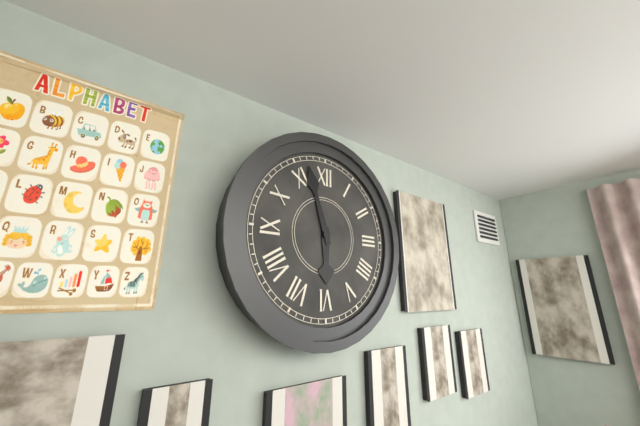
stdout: 5:57
